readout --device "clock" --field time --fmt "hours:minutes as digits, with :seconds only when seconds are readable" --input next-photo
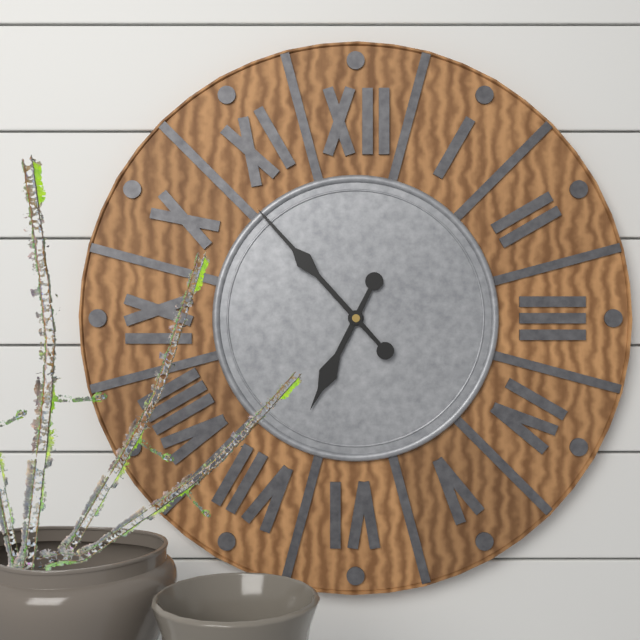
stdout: 6:53
